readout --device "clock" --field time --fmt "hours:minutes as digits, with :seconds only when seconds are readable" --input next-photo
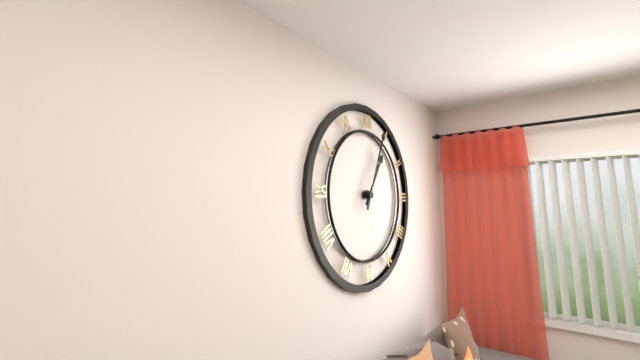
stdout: 1:04
